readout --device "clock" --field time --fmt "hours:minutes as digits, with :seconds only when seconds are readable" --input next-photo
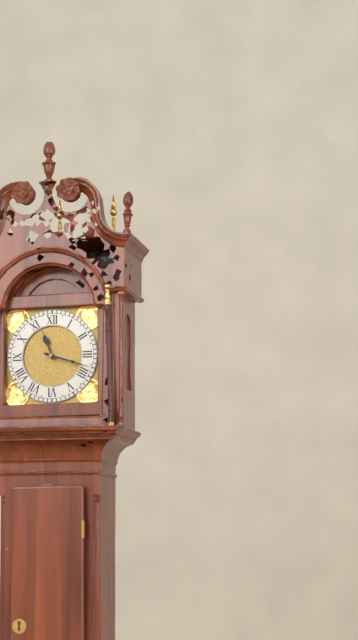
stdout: 11:18
